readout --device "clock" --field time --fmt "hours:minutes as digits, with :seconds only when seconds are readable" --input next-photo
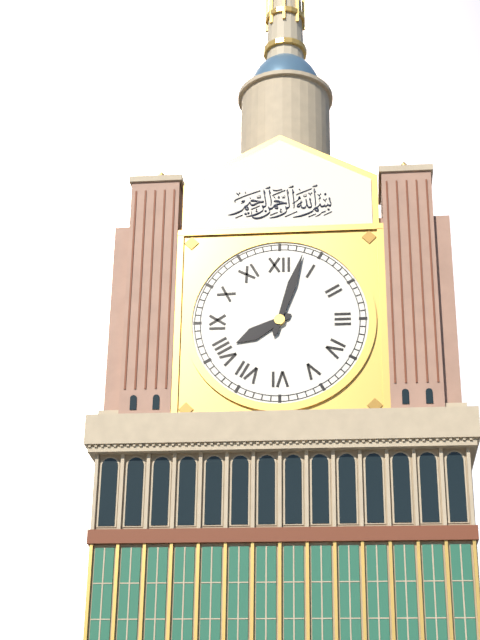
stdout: 8:03
